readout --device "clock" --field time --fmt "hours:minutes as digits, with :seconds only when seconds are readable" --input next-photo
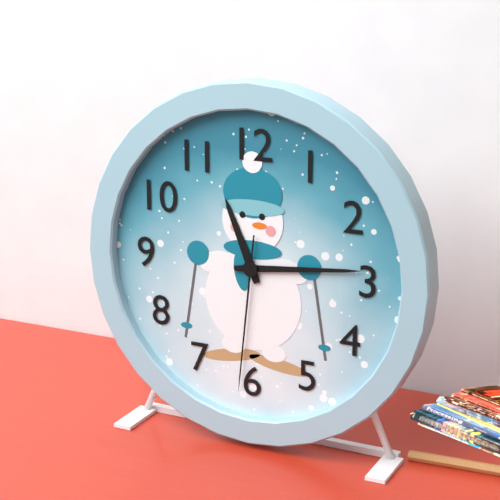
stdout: 11:14:31
